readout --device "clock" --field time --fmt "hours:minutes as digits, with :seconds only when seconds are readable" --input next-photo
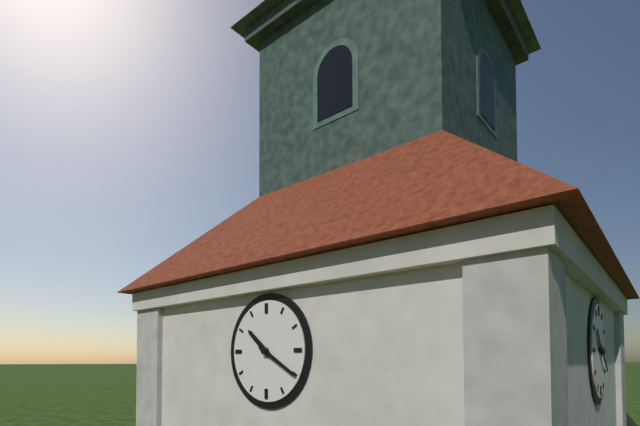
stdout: 10:20
